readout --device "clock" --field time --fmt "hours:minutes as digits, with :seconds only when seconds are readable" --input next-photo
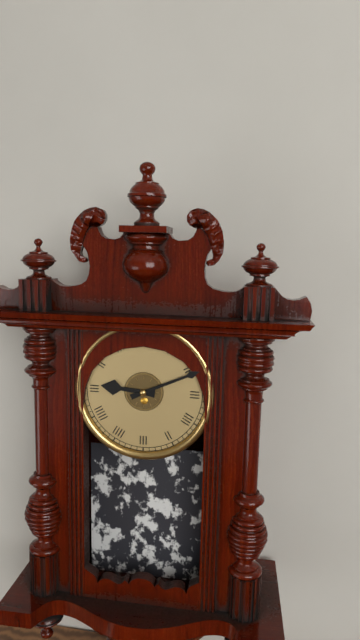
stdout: 9:11
